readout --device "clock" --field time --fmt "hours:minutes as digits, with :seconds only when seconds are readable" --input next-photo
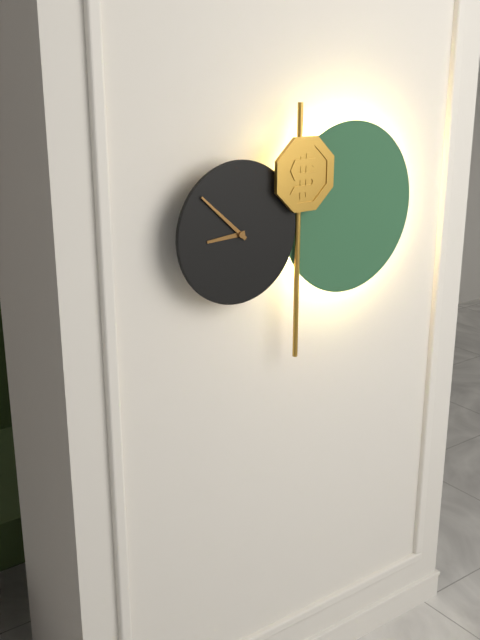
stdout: 8:52
